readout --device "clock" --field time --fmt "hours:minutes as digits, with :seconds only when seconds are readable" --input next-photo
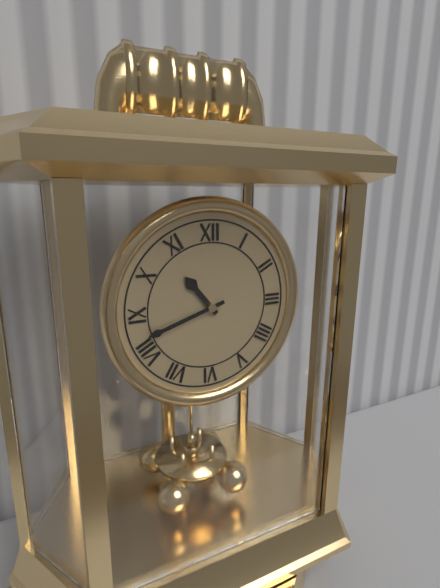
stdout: 10:42
